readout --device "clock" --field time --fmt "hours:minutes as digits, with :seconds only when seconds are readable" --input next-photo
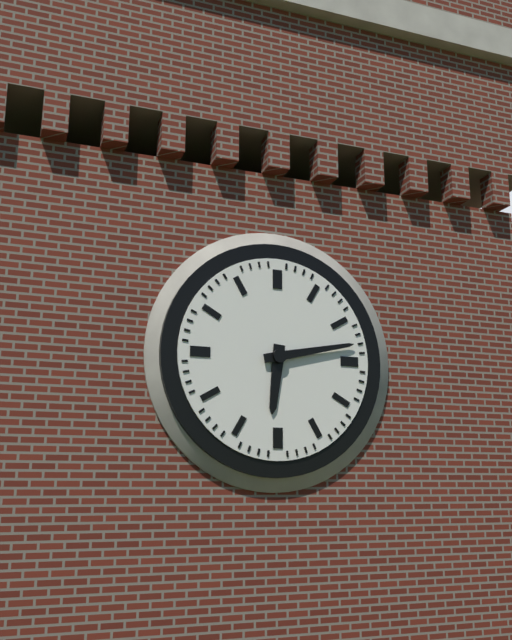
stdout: 6:13
